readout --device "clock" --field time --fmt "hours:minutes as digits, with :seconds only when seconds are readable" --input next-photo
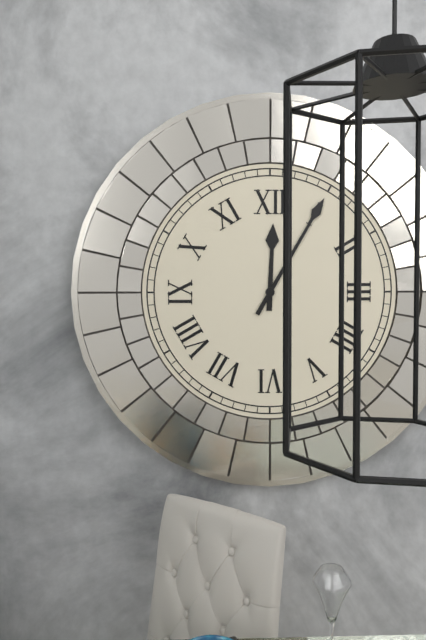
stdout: 12:05
